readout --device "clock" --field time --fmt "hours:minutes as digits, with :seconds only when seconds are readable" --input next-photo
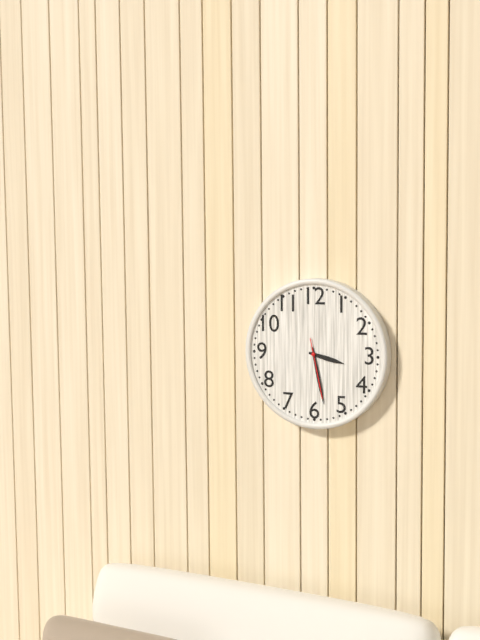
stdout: 3:28:28
